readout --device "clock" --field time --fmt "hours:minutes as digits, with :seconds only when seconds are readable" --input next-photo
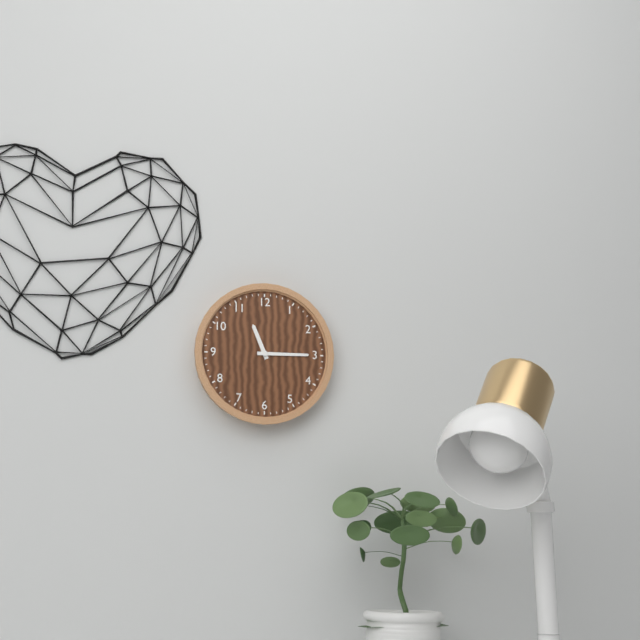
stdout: 11:15
